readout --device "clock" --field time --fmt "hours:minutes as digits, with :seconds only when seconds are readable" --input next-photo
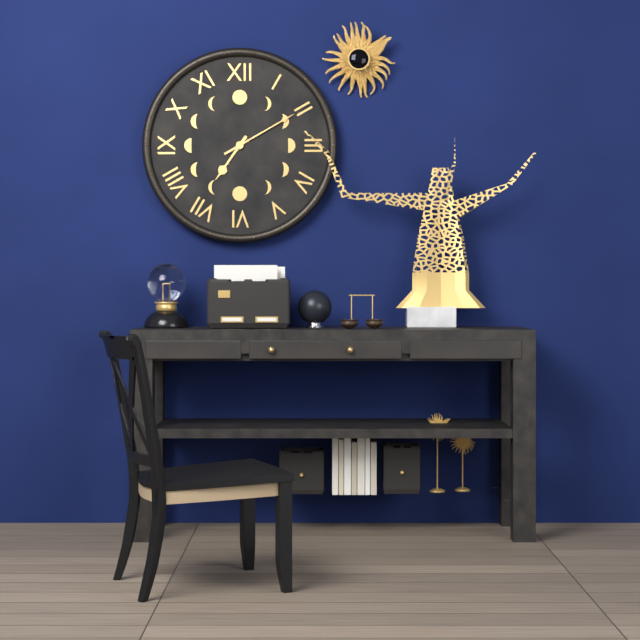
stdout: 7:10
